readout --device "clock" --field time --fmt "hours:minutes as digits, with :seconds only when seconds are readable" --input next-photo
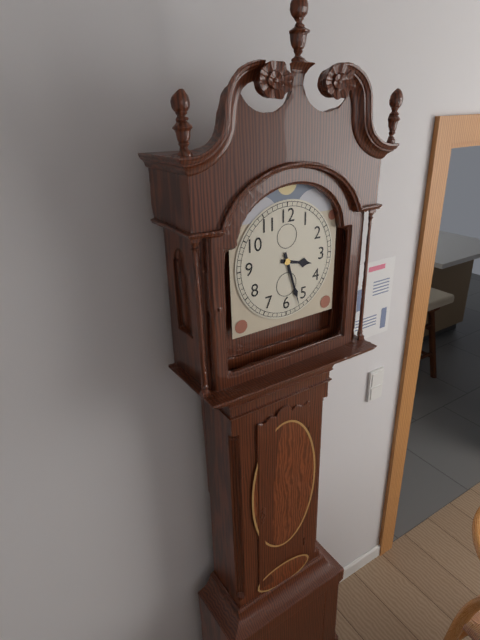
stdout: 3:27
